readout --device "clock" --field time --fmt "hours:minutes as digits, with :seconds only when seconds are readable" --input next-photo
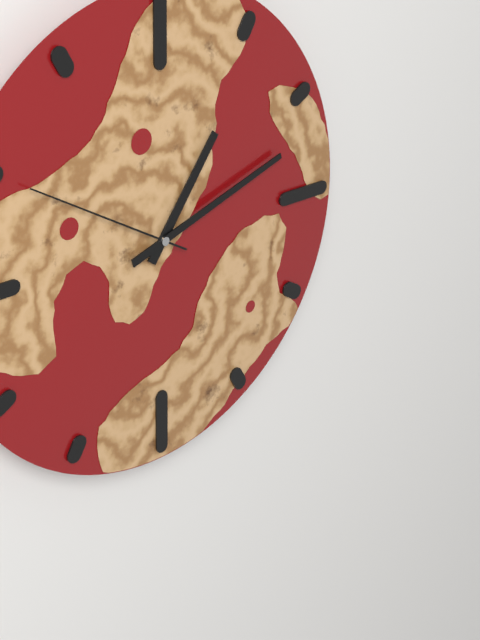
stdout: 1:12:50
